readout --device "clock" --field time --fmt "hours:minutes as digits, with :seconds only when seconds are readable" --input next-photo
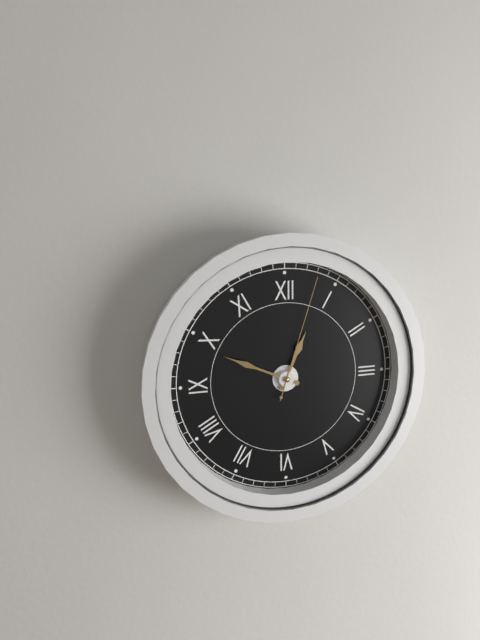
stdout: 12:49:03
